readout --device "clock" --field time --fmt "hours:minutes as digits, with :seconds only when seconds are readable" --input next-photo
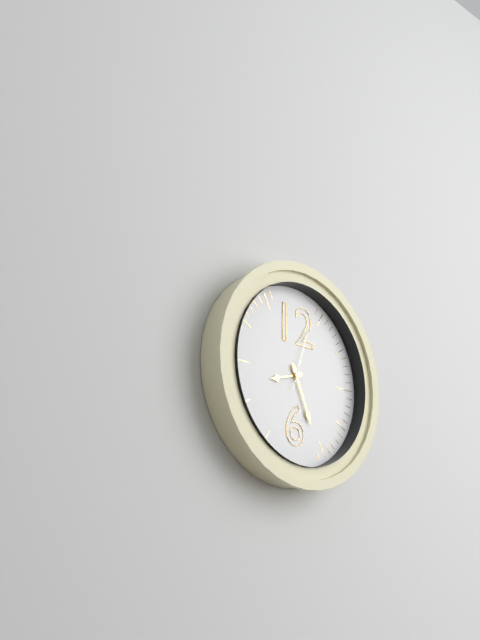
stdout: 8:26:03
